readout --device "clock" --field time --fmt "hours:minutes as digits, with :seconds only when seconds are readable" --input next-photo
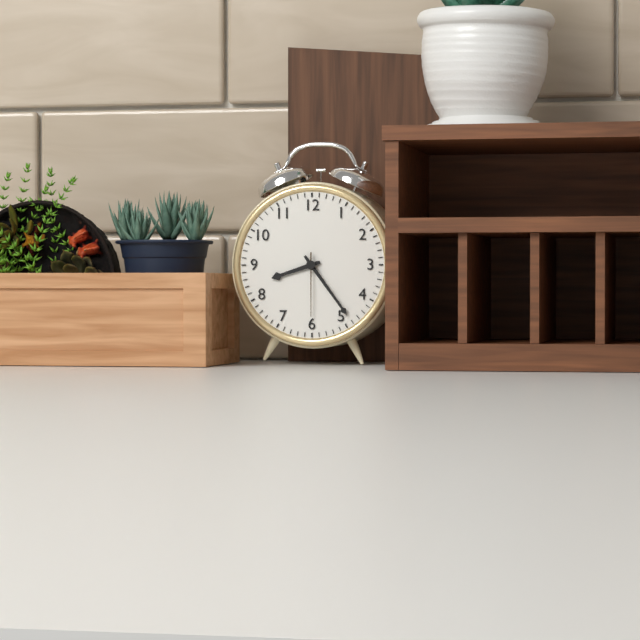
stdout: 8:24:30
